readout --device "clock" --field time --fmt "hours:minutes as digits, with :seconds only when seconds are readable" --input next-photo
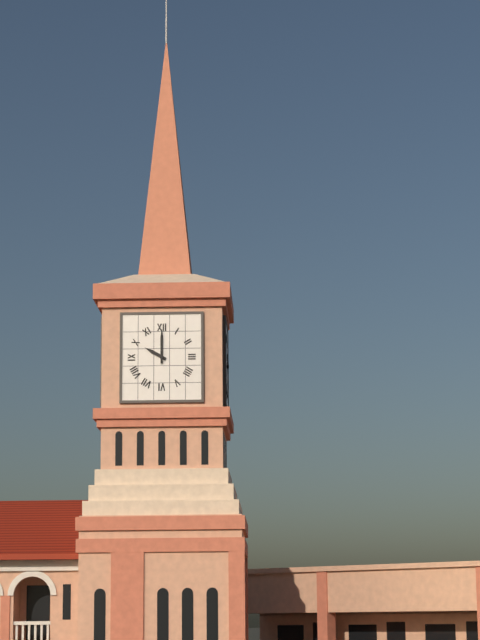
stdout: 10:00
